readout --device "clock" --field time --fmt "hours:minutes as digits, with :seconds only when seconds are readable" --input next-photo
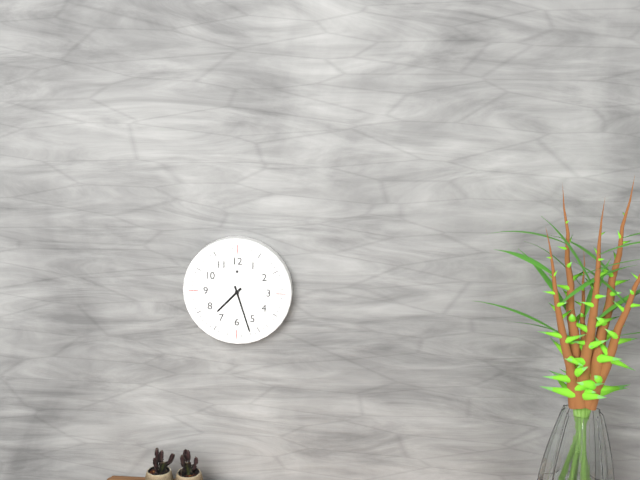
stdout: 7:27
